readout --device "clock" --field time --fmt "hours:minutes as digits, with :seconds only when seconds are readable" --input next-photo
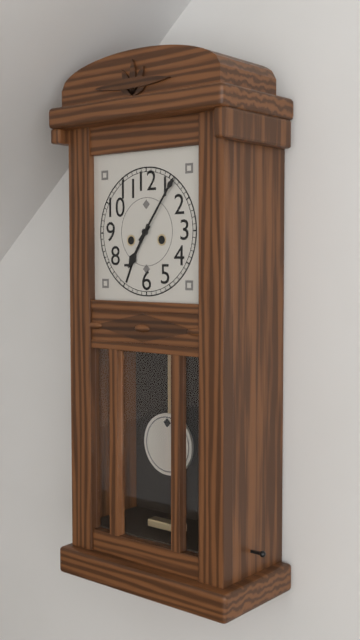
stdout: 7:06
